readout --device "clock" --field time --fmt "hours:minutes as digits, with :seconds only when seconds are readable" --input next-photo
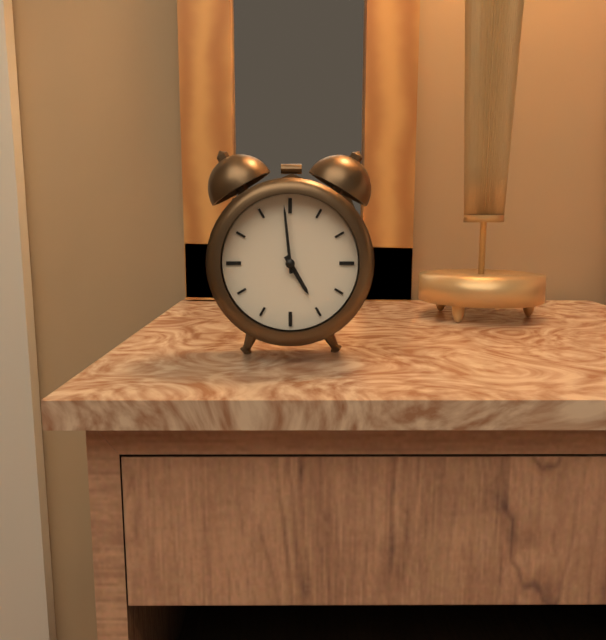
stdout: 4:59
